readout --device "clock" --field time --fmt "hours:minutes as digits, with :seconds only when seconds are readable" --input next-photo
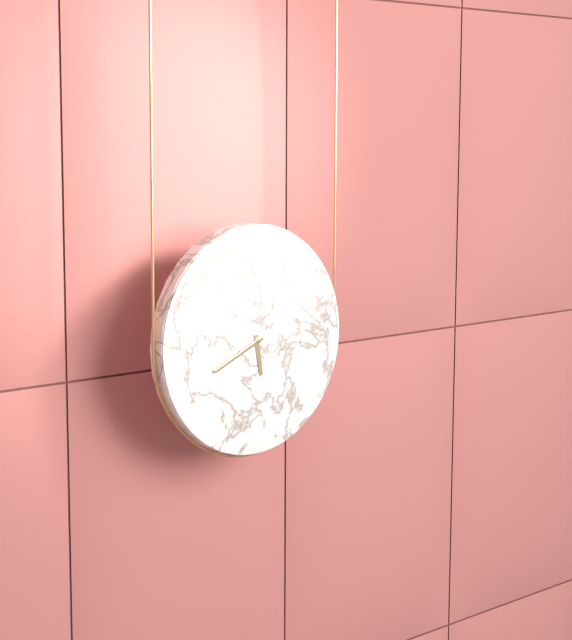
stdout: 5:41
